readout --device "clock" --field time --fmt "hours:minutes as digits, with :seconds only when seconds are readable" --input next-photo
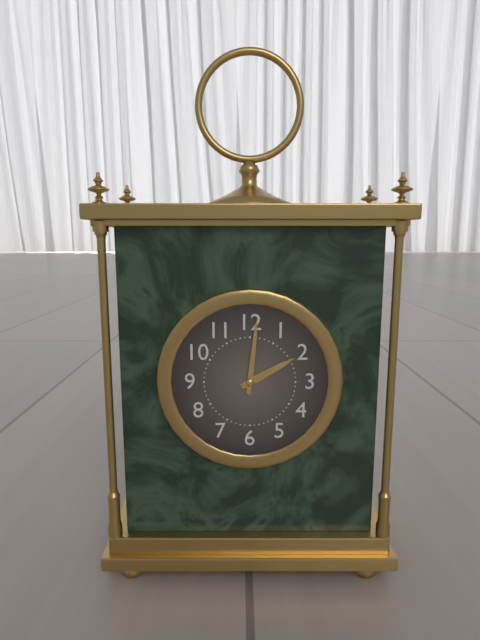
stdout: 2:01
